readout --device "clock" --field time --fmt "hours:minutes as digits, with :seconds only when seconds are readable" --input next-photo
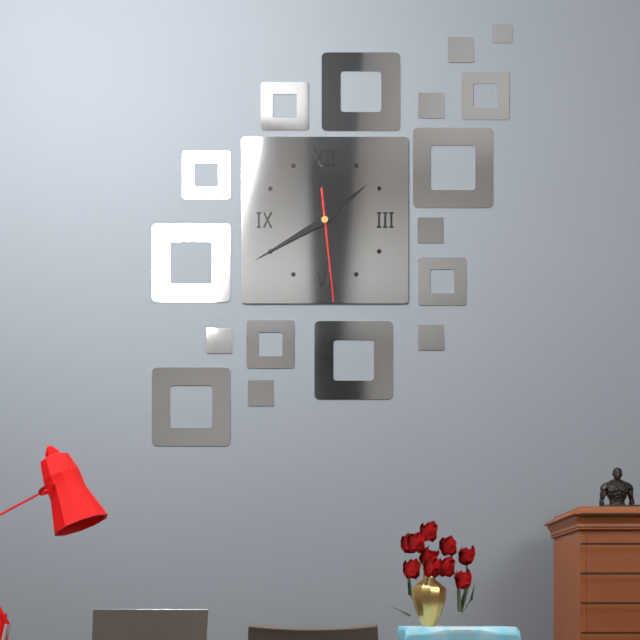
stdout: 1:40:29
